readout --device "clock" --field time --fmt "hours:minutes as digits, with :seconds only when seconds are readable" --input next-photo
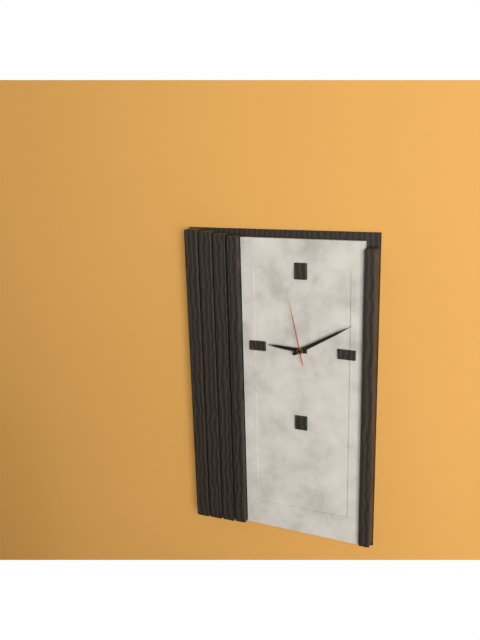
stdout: 9:10:58
